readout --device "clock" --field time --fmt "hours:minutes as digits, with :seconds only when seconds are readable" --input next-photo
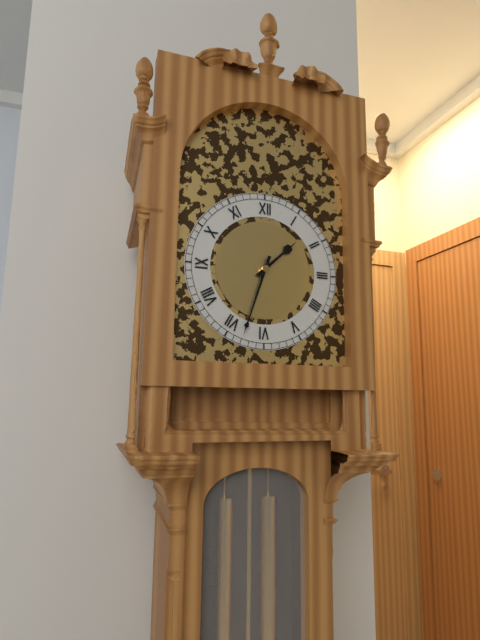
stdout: 1:33
